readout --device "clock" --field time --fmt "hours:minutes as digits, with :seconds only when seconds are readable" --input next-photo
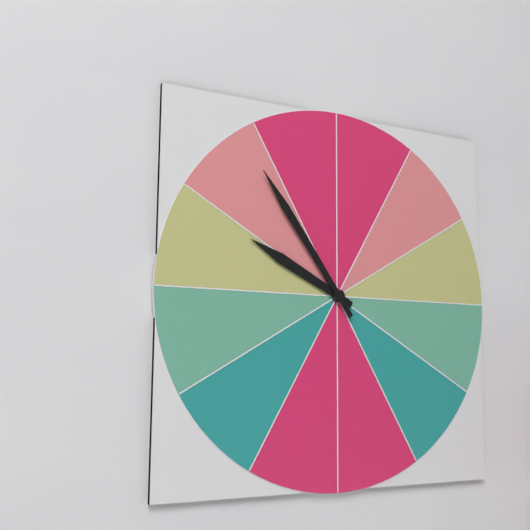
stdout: 9:54
